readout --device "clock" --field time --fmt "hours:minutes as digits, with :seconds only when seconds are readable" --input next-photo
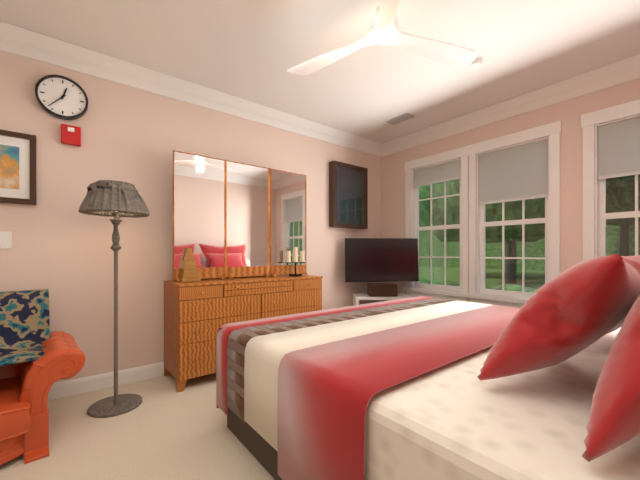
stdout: 12:37
